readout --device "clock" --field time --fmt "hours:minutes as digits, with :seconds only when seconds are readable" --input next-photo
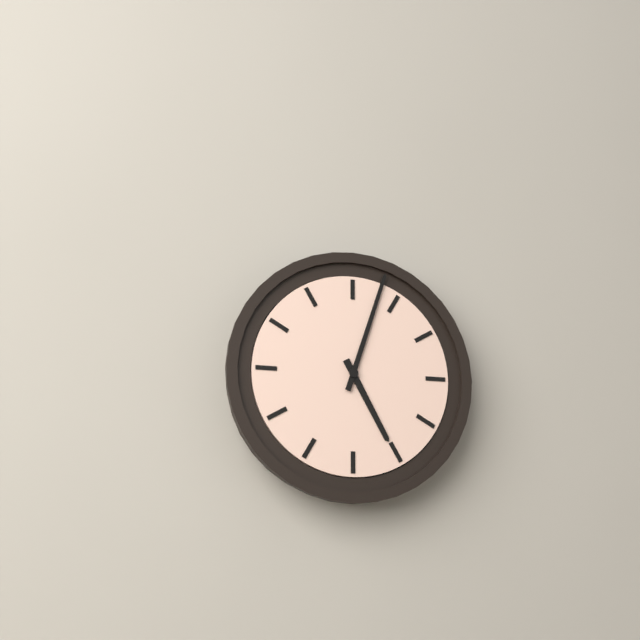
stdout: 5:03
